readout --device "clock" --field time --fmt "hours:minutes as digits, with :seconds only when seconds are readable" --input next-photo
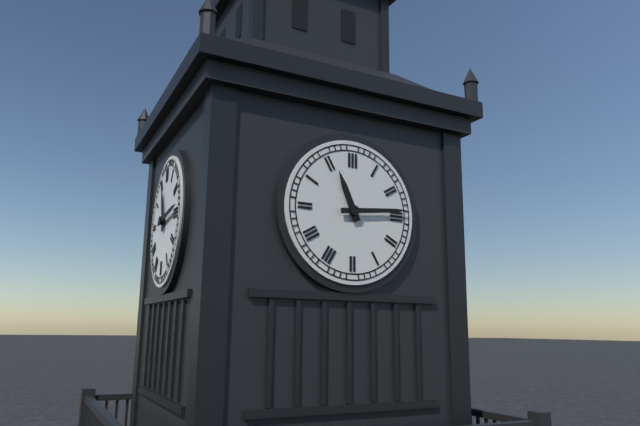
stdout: 11:14
